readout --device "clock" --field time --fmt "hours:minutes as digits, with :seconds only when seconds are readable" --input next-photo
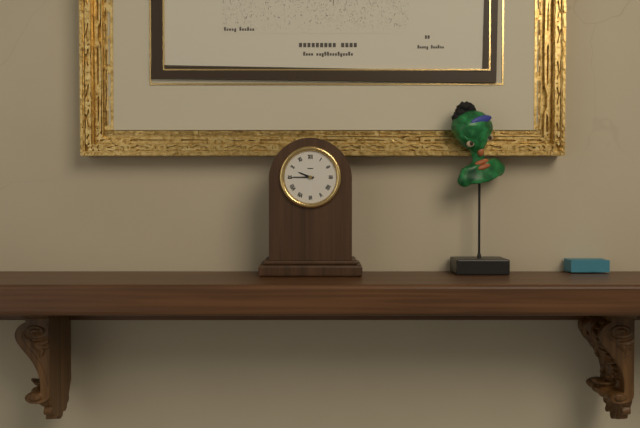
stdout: 9:45
